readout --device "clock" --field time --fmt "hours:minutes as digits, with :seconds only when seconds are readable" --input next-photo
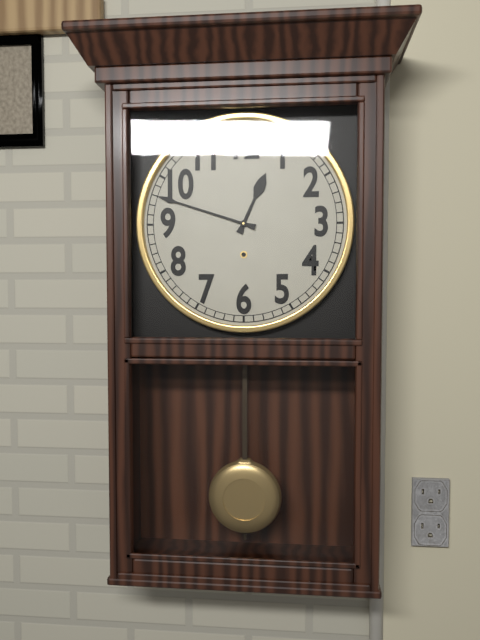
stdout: 12:48
